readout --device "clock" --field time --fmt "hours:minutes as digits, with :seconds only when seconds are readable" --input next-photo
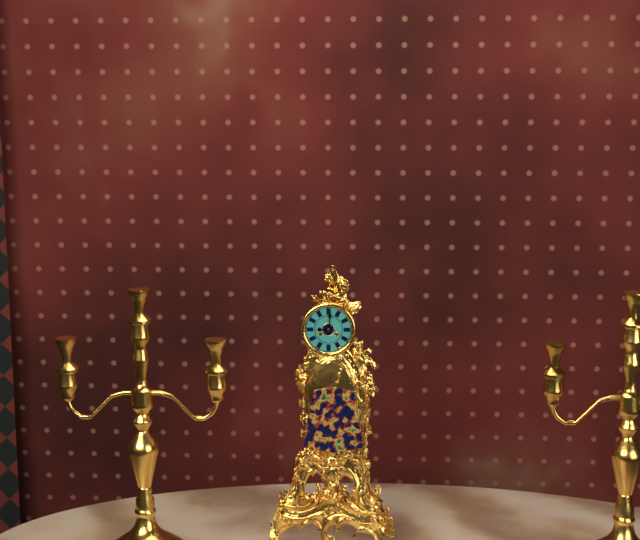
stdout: 9:01
